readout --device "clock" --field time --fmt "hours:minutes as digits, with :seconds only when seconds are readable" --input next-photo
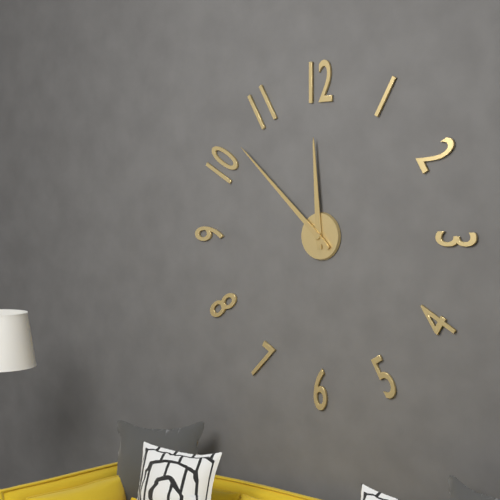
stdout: 11:52
